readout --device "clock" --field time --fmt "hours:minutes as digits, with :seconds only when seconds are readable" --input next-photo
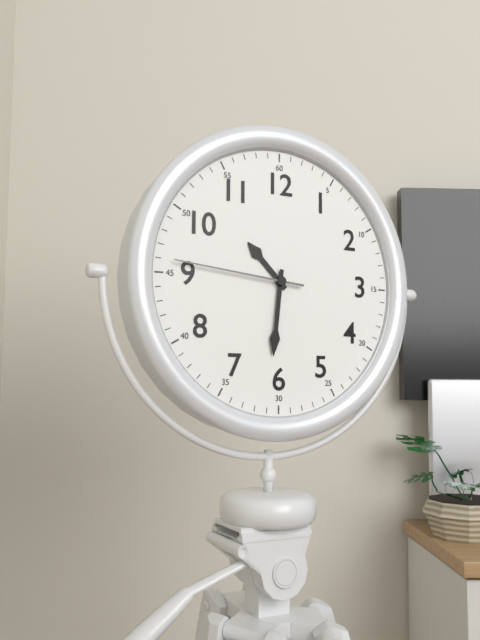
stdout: 10:31:46
